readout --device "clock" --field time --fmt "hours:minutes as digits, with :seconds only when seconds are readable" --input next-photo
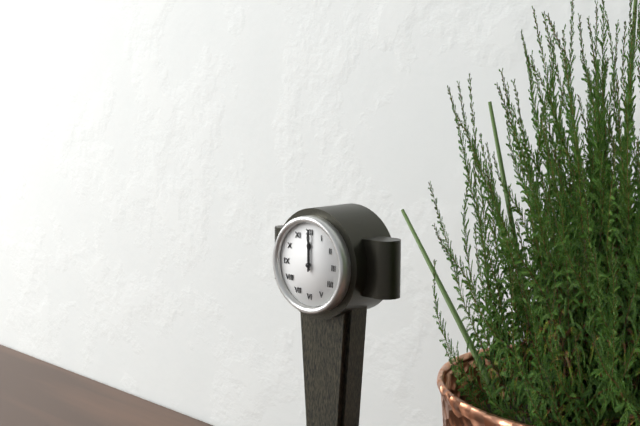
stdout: 12:00
